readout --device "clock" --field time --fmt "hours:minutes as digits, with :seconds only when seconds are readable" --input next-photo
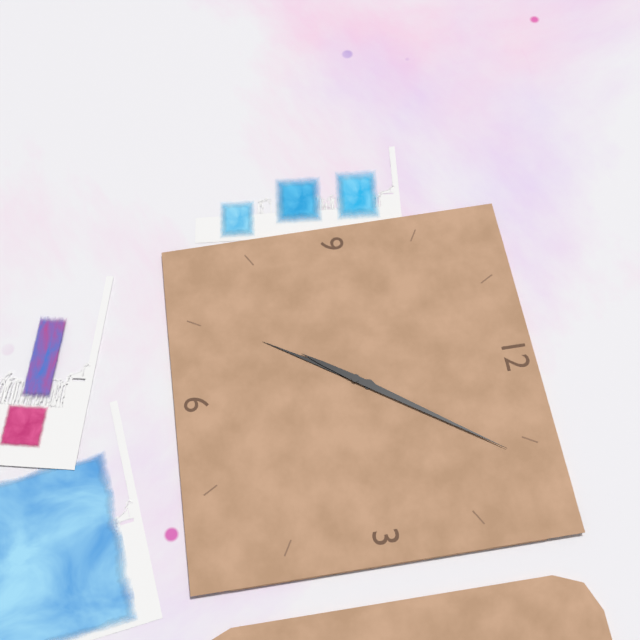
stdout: 7:06
